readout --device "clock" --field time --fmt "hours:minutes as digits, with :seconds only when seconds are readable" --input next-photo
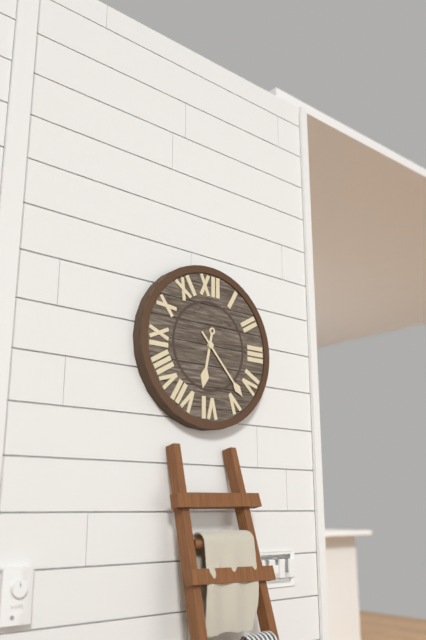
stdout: 6:23
